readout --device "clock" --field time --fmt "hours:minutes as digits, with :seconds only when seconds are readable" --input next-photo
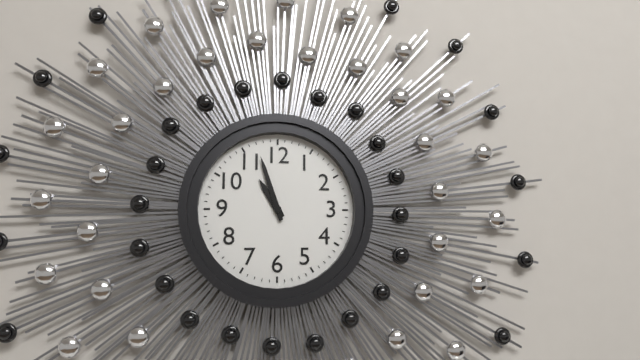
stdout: 10:57
